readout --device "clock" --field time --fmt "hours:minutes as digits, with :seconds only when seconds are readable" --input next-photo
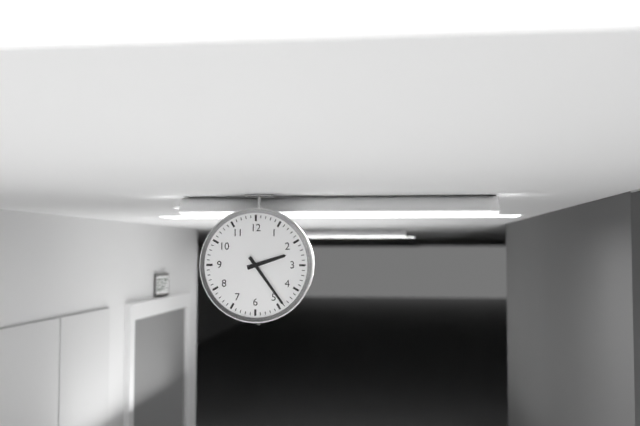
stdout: 2:24
